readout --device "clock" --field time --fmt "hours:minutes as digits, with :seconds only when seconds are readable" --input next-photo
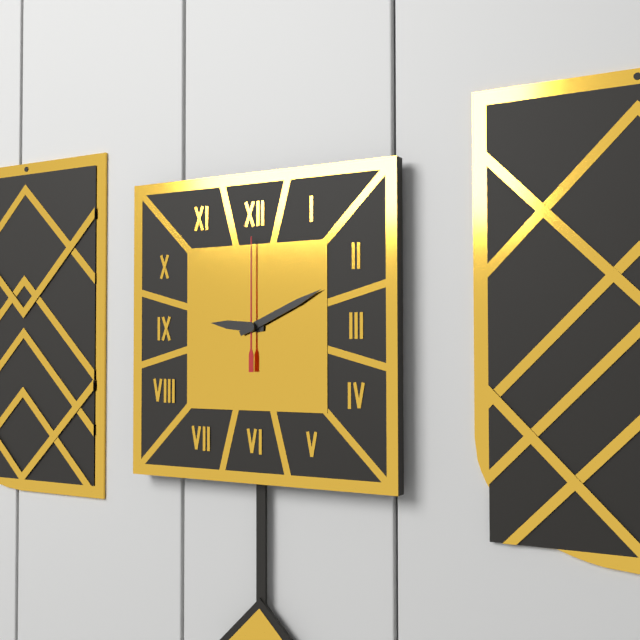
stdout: 9:11:00
